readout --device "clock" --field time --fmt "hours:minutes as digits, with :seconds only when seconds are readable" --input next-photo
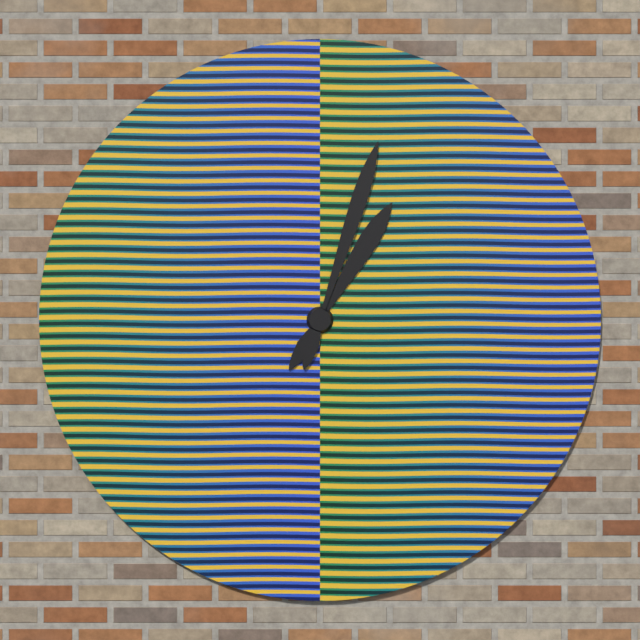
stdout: 1:03
